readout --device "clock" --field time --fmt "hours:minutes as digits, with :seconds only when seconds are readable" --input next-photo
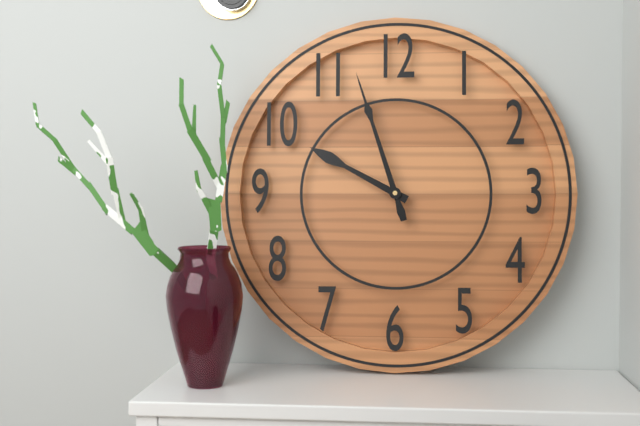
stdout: 9:57
